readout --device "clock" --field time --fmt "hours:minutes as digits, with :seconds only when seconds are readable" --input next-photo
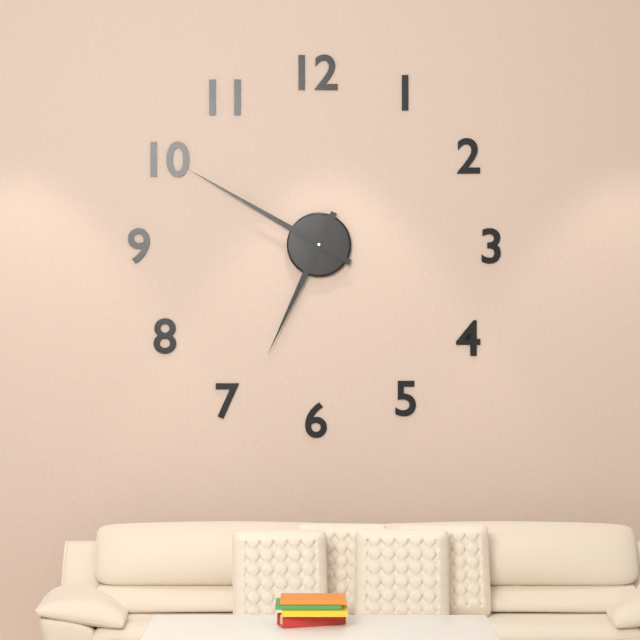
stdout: 6:50
